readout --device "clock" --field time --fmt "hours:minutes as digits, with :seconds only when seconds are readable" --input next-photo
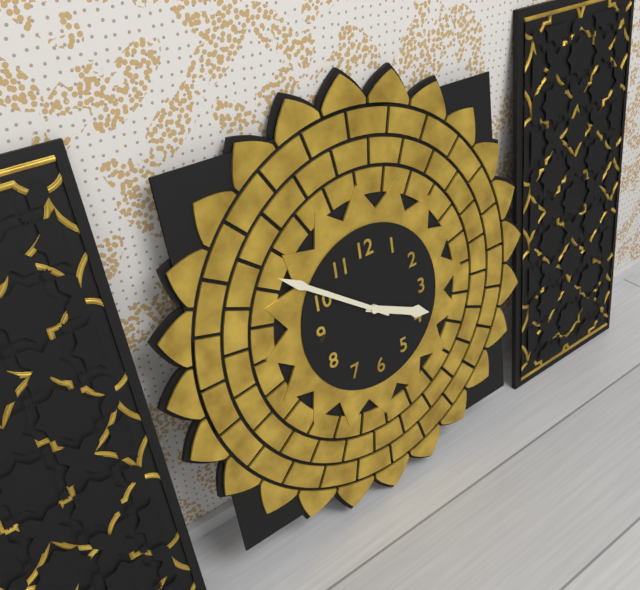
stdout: 3:51
